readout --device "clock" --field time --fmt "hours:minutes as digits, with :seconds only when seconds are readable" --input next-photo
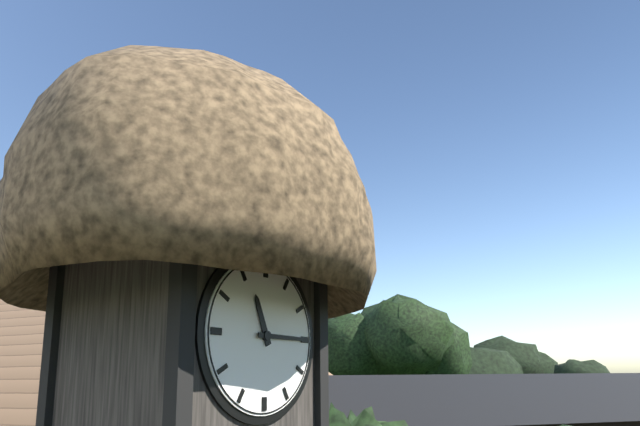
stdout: 11:15
